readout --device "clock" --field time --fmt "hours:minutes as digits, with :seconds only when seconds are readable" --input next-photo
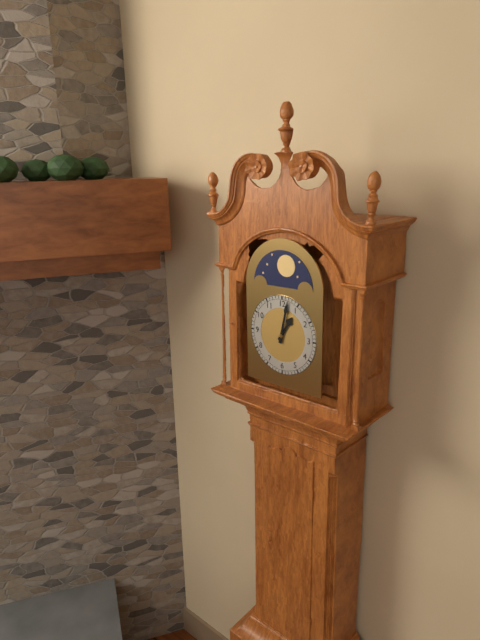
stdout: 1:02
